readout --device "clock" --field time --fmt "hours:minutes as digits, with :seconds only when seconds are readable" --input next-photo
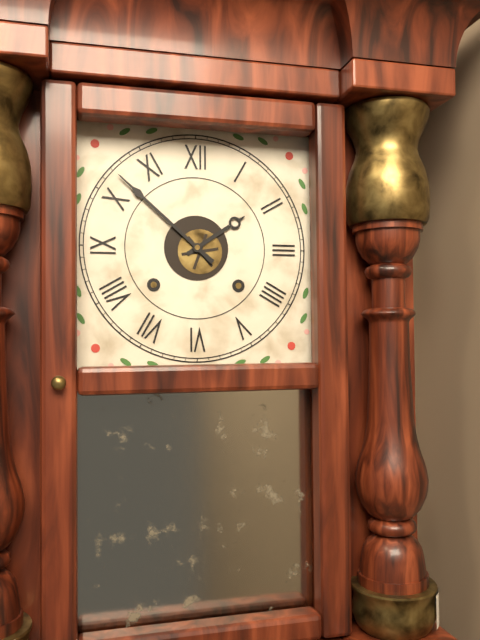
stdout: 1:52
